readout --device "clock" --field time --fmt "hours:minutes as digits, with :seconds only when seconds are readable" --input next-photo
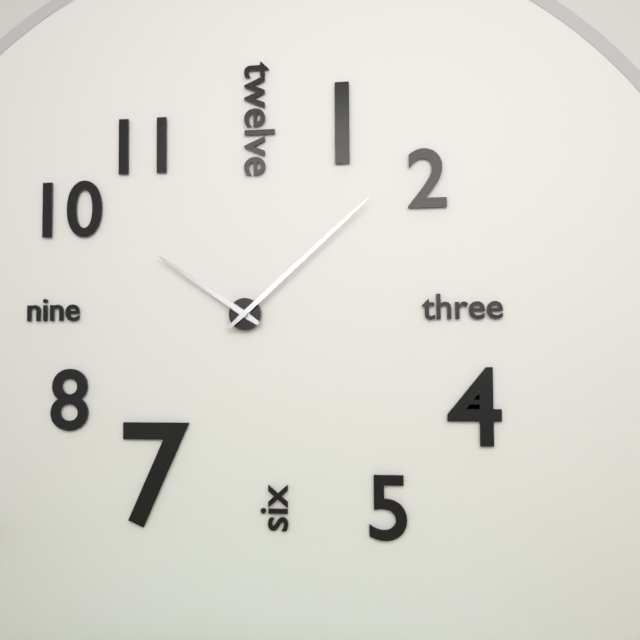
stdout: 10:08
